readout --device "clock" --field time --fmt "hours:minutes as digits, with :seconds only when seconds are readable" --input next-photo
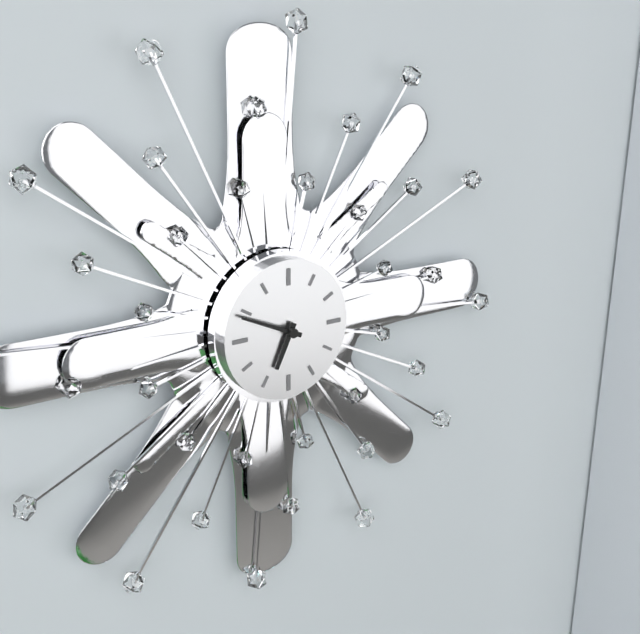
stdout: 6:49
